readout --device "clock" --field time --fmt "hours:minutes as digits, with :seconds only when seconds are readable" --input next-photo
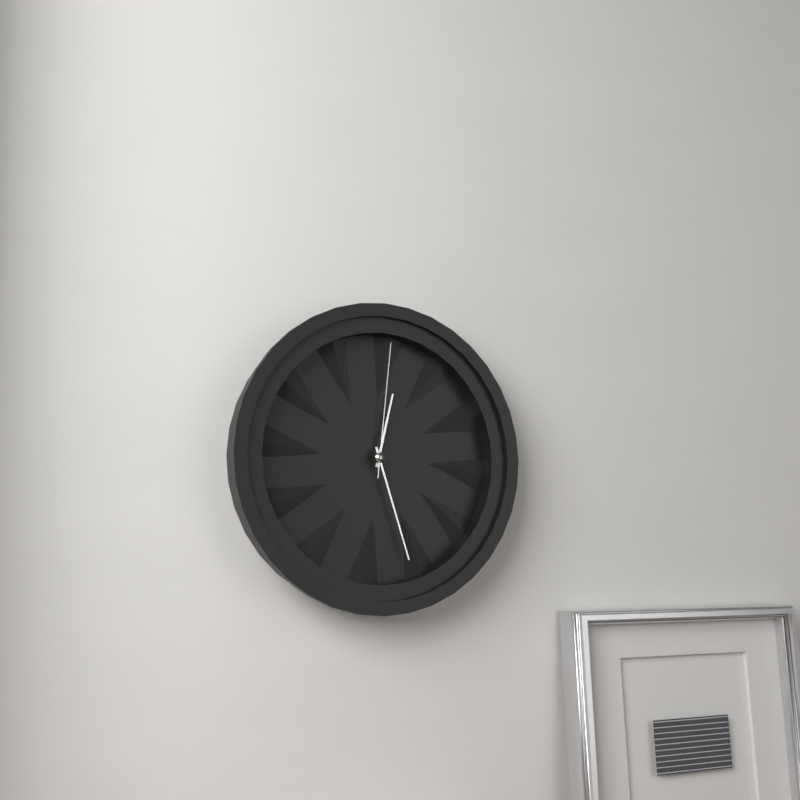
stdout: 12:27:01
